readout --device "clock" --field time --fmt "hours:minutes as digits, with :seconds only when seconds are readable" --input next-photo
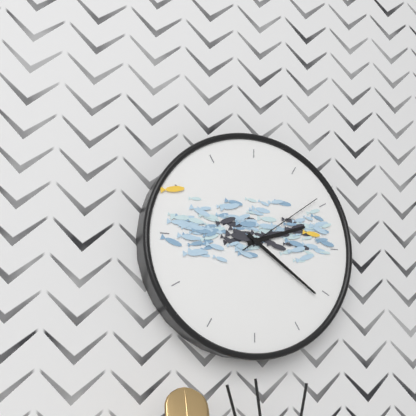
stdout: 2:21:09
